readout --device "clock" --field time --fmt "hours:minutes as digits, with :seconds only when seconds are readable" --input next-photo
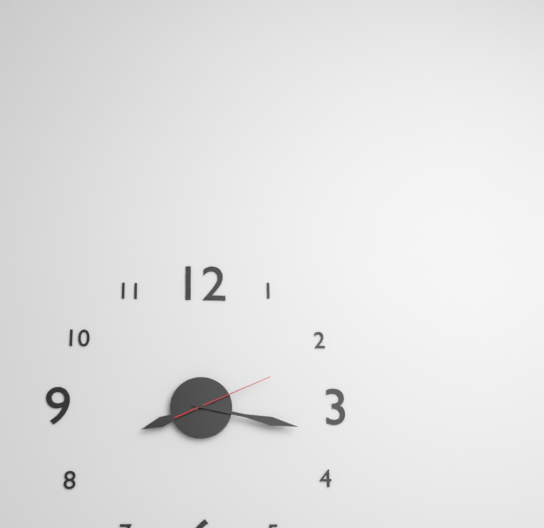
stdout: 8:17:11
